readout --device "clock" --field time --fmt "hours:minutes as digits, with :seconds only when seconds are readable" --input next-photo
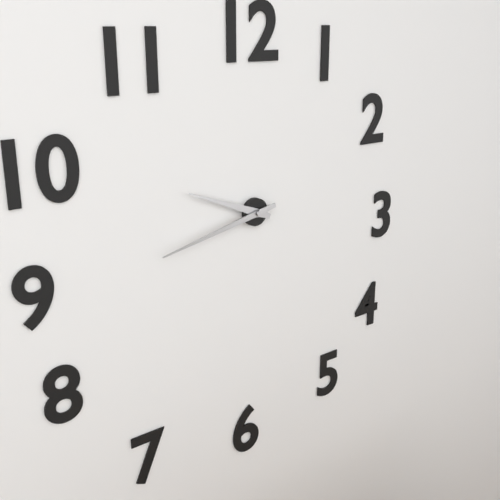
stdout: 9:43
